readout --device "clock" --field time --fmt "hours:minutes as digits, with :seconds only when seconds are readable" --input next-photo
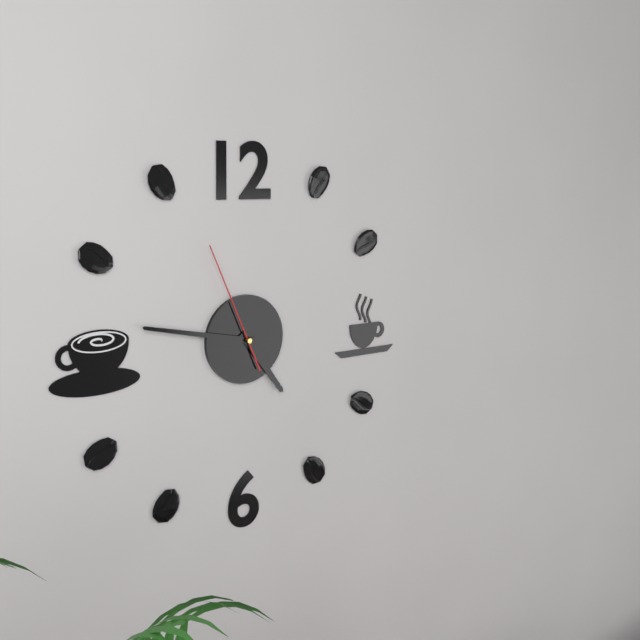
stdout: 4:47:56
